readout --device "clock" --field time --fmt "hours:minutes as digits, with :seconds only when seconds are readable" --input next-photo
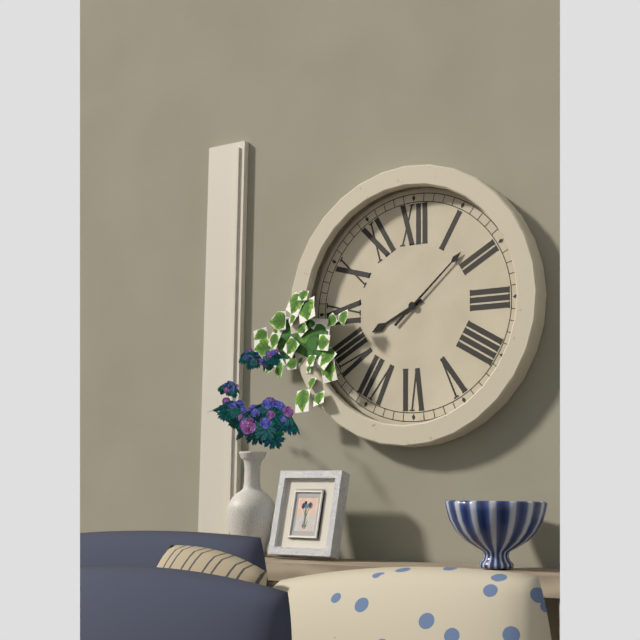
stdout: 8:08
